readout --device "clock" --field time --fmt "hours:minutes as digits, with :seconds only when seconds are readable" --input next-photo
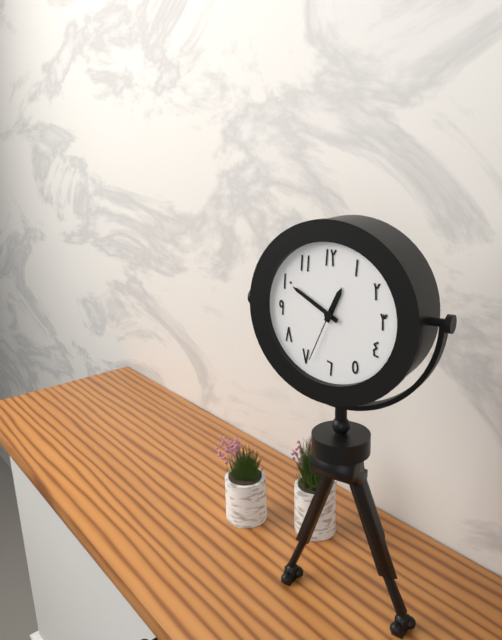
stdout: 12:50:34
